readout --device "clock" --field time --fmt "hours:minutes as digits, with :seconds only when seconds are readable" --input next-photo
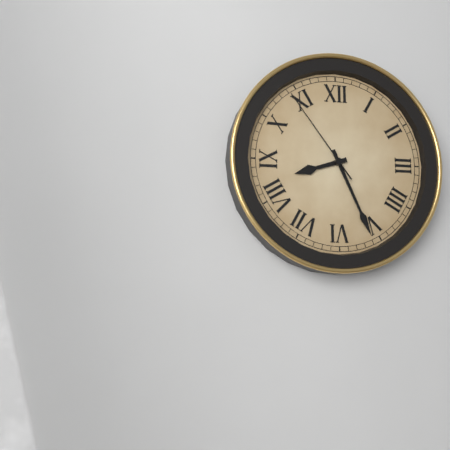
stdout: 8:26:54
